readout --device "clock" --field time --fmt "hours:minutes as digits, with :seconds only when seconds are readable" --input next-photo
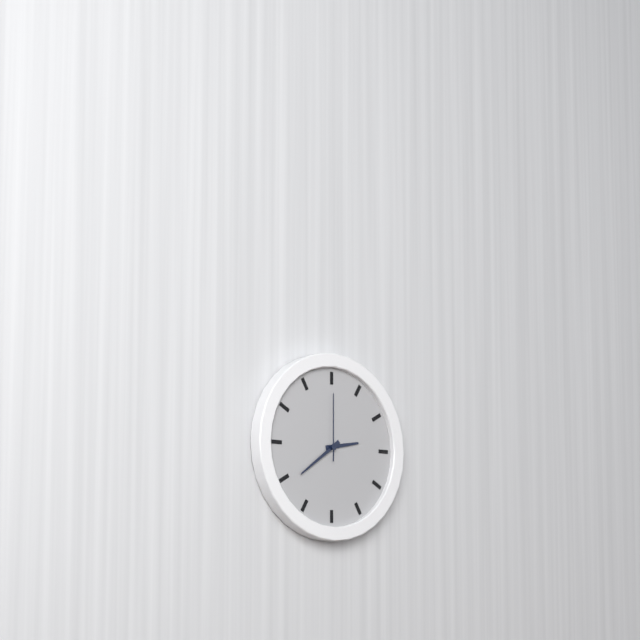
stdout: 2:39:00
